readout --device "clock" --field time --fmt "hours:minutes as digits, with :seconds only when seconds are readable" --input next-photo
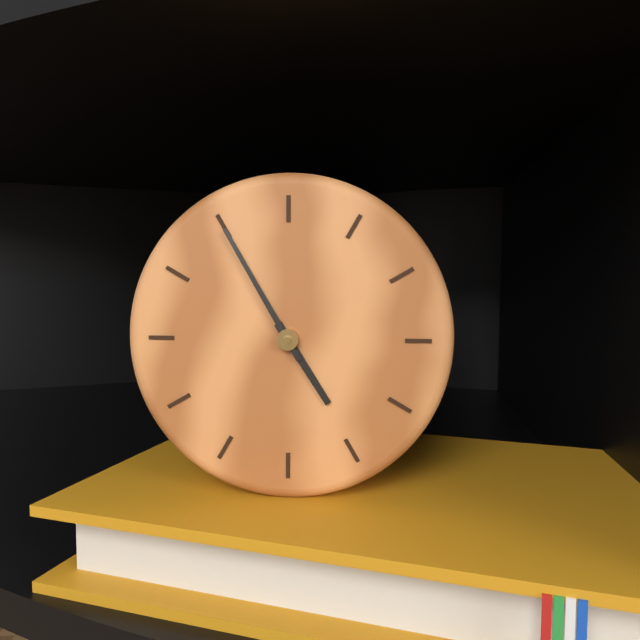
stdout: 4:55
